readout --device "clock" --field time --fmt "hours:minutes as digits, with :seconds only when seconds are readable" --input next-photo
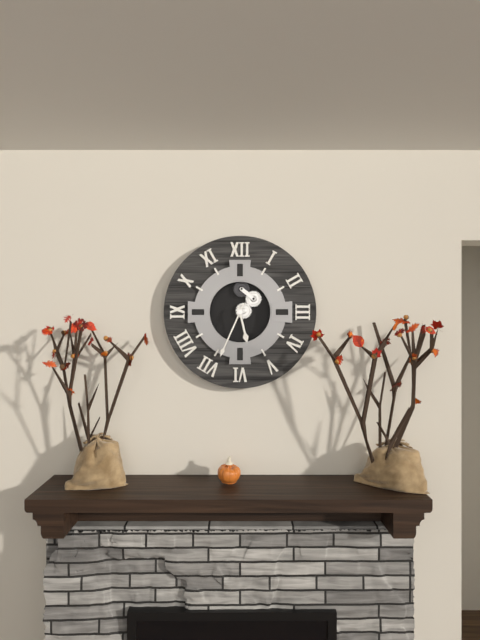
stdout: 5:34
